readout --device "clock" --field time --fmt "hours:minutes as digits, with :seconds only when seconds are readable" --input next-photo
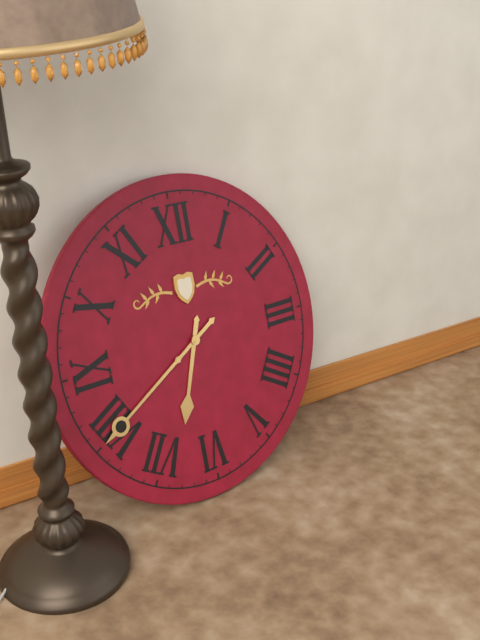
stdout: 6:40
